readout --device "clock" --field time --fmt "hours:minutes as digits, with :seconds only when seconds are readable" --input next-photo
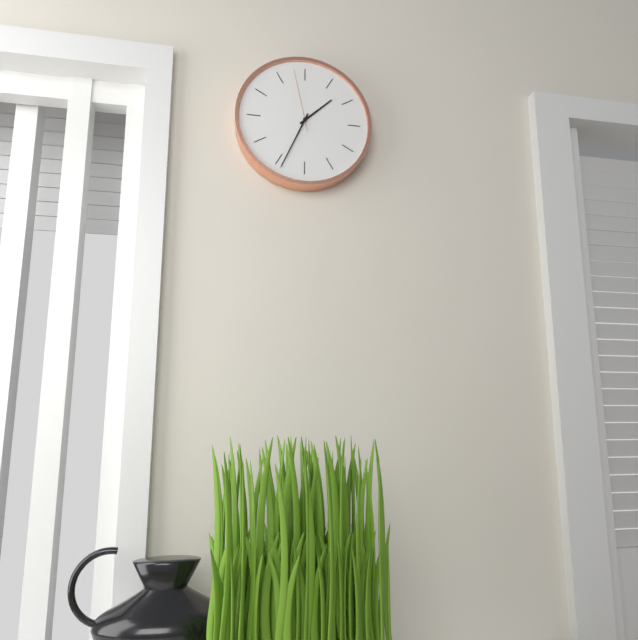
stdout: 1:34:58
